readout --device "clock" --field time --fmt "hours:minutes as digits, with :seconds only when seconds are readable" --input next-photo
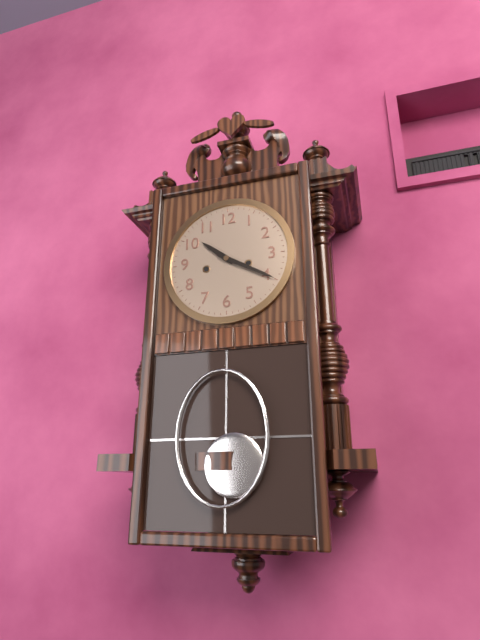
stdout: 10:20
